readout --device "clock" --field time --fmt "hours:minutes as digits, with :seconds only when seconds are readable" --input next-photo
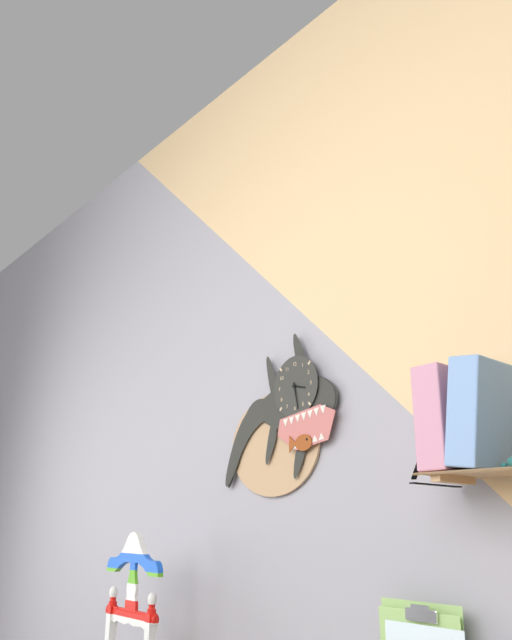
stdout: 3:28
